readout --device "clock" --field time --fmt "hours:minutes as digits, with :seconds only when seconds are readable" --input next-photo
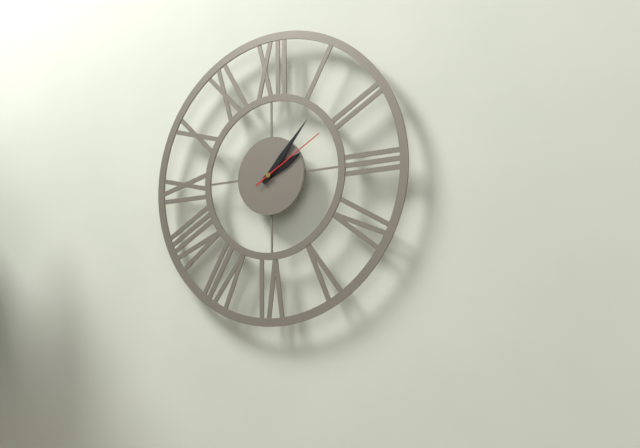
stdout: 2:07:10
